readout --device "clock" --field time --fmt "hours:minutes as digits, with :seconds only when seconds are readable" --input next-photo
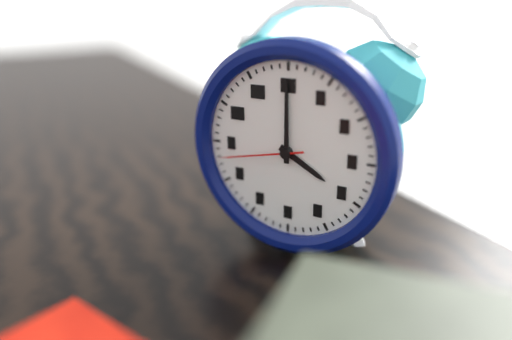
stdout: 4:00:43
